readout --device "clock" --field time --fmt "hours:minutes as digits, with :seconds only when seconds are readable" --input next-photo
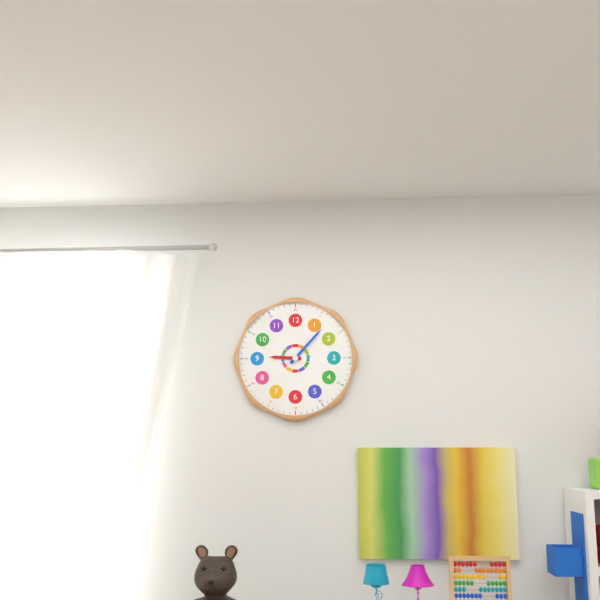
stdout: 9:07
